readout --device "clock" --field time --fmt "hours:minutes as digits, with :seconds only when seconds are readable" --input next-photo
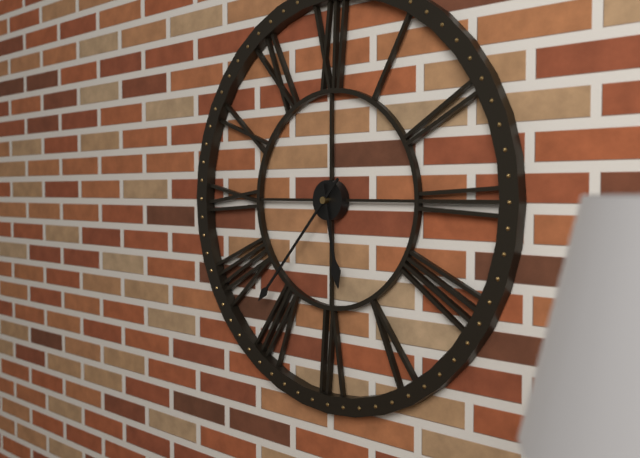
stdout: 5:37
